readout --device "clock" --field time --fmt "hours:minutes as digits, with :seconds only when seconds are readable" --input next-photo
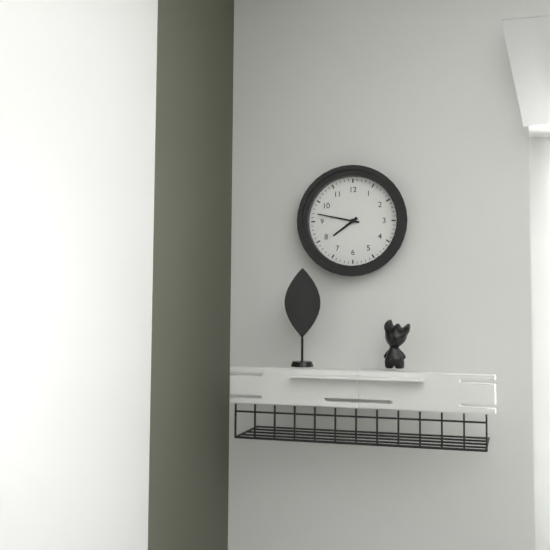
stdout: 7:47
